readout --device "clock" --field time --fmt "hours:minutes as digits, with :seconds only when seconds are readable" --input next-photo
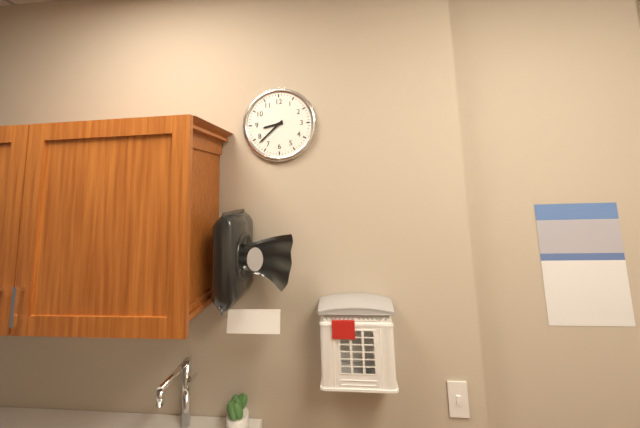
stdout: 8:38
